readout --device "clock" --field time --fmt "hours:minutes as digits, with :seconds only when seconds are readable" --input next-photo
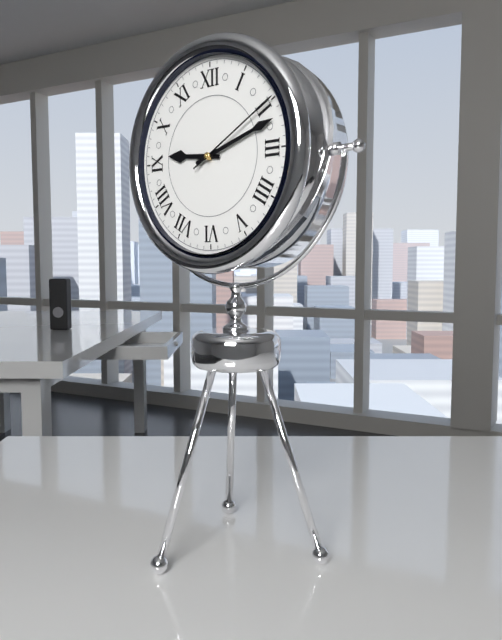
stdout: 9:12:10
